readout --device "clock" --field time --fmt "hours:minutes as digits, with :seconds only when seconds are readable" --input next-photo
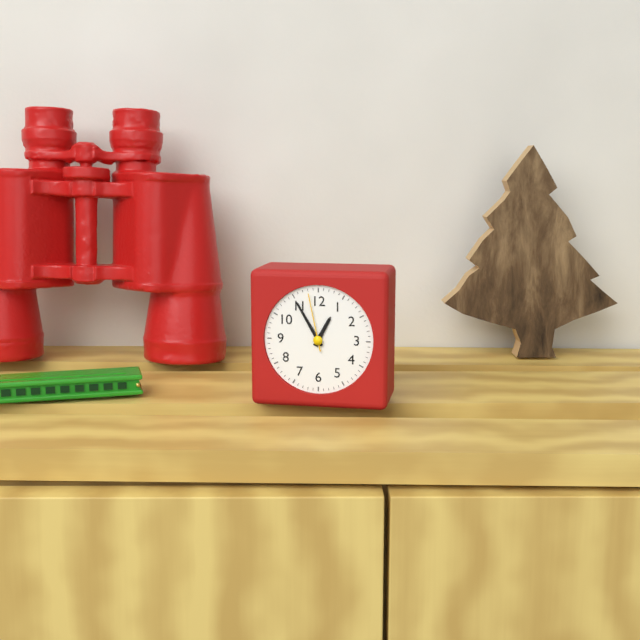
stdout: 12:55:58
